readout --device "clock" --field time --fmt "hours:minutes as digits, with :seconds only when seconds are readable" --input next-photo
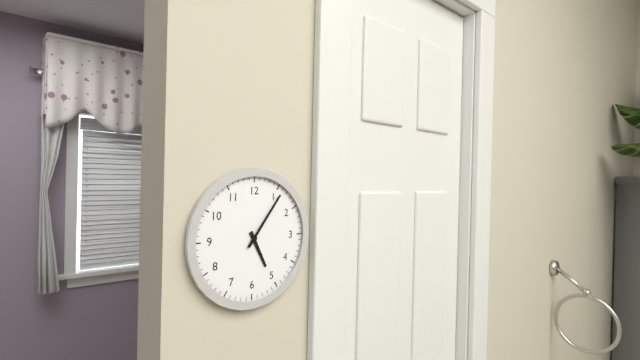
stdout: 5:06
